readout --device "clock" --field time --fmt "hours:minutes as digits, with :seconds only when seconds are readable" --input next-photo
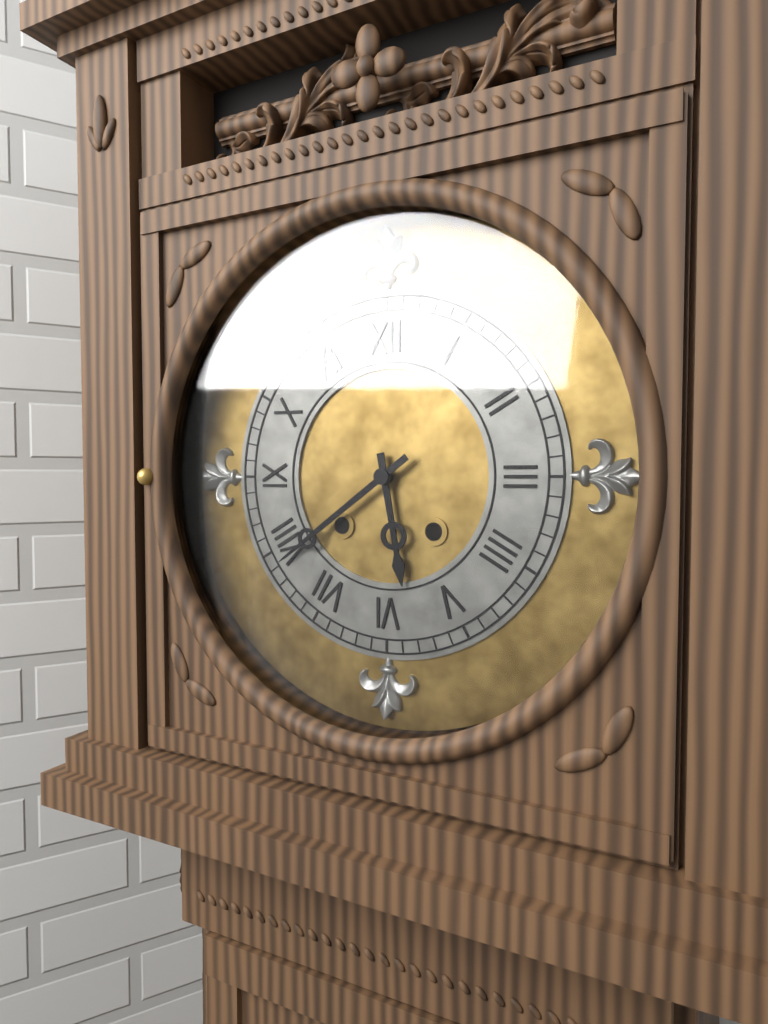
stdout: 5:39
